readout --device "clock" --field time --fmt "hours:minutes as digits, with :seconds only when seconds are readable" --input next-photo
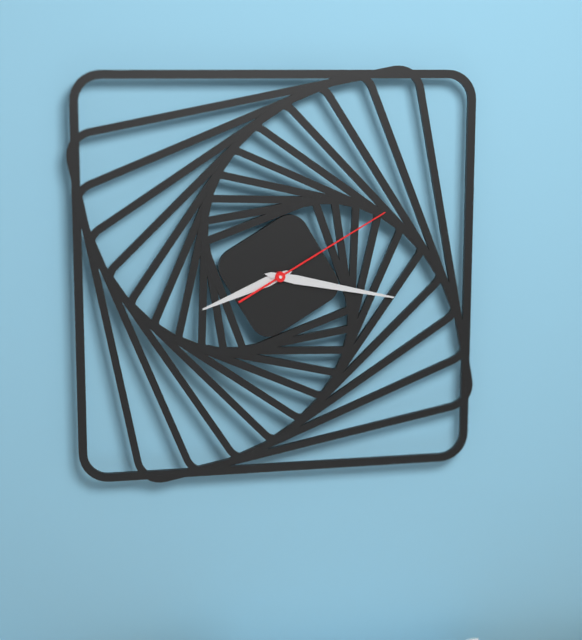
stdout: 8:17:10
